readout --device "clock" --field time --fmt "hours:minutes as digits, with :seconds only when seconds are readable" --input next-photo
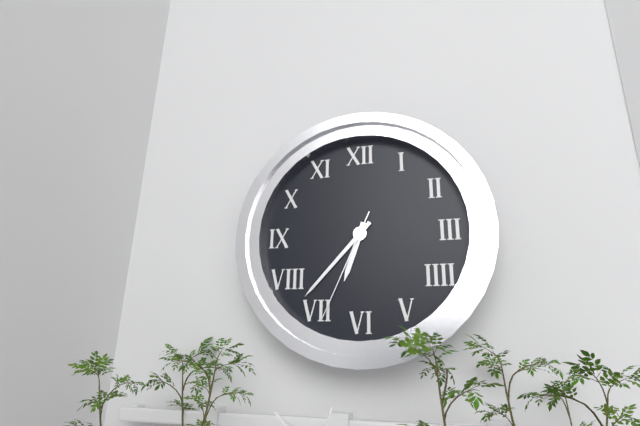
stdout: 6:37:34
